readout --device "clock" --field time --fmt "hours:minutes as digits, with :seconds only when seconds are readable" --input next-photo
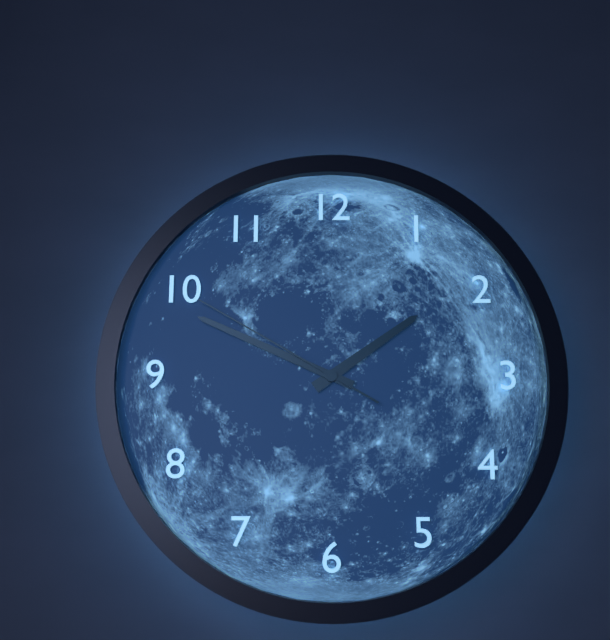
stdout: 1:49:50
